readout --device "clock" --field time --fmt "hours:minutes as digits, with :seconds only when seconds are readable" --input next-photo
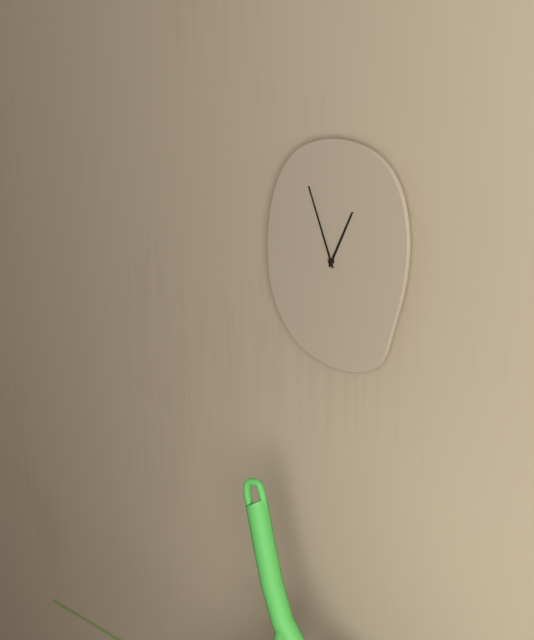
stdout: 12:56
